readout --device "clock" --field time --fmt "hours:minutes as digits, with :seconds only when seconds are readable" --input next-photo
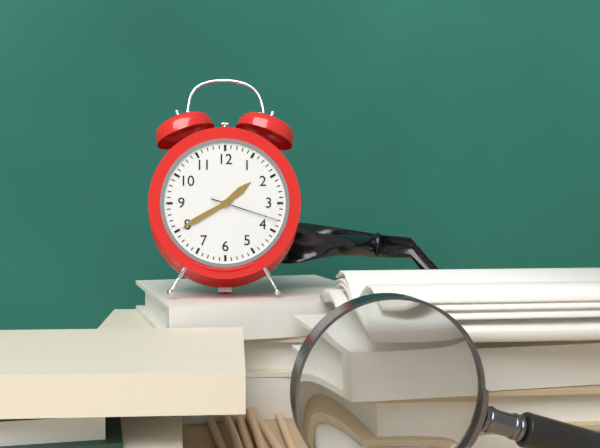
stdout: 1:40:18
